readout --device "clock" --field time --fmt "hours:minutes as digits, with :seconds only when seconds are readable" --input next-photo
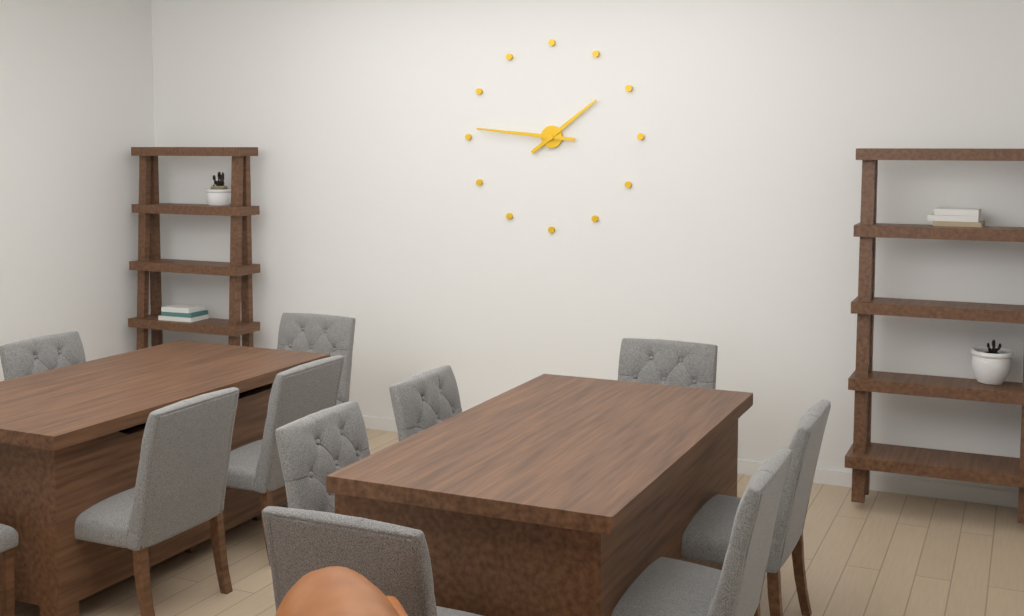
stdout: 1:46
